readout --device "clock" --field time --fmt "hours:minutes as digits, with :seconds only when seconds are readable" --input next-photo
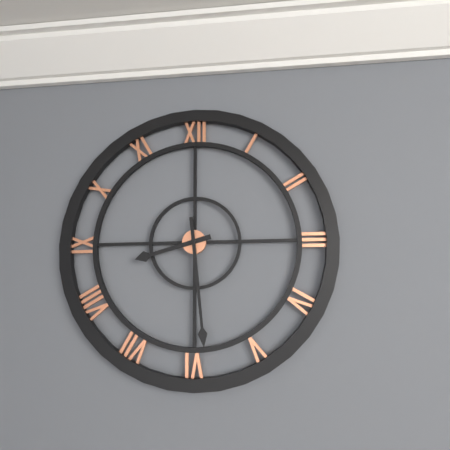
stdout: 8:29
